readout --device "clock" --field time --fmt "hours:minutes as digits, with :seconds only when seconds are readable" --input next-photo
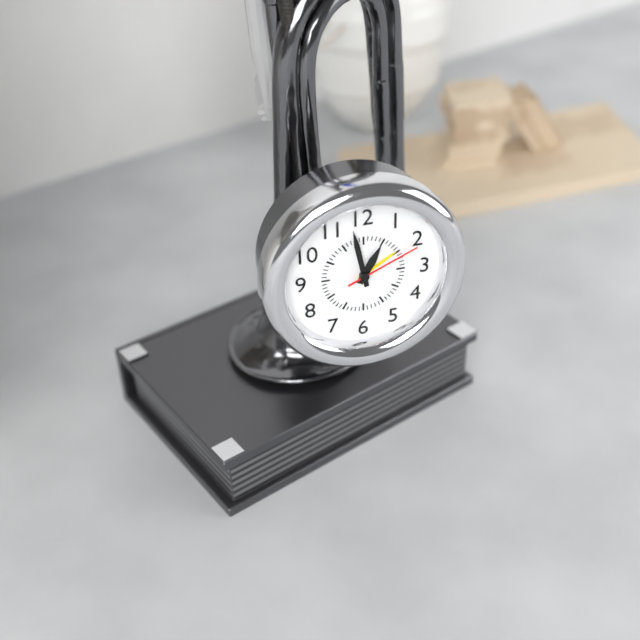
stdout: 12:58:11
